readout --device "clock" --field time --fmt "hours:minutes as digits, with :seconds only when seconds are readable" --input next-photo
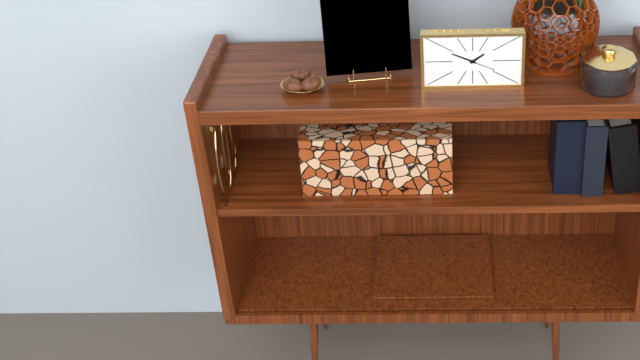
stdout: 1:49
